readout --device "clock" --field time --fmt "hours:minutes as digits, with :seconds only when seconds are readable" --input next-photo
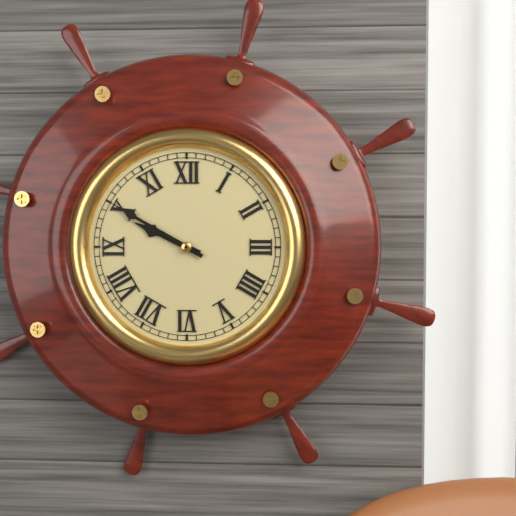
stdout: 9:50
